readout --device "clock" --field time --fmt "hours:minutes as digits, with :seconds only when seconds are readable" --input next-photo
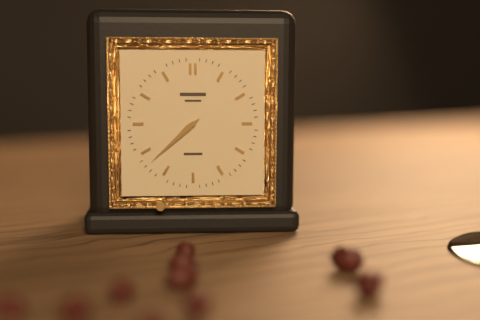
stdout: 7:38
